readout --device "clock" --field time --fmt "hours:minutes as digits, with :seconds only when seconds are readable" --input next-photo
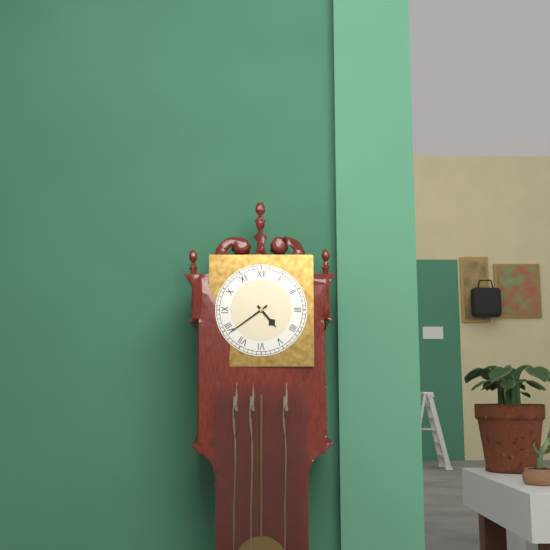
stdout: 4:39
